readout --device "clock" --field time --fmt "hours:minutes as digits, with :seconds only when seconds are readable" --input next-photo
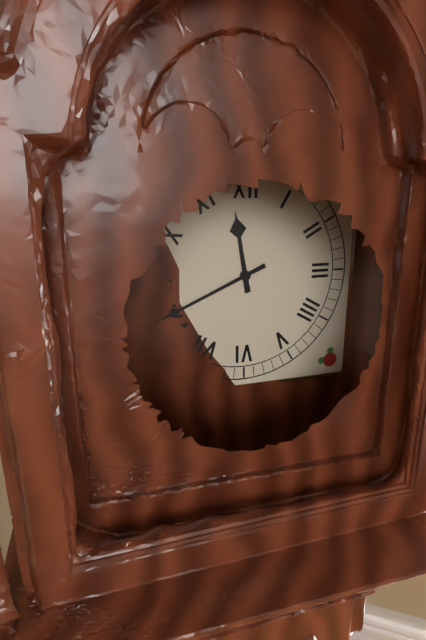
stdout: 11:41
